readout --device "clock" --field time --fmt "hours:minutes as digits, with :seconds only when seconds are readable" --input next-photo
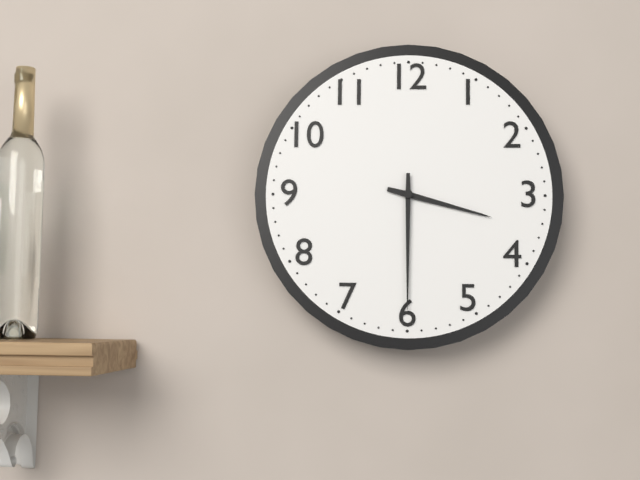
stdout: 3:30
